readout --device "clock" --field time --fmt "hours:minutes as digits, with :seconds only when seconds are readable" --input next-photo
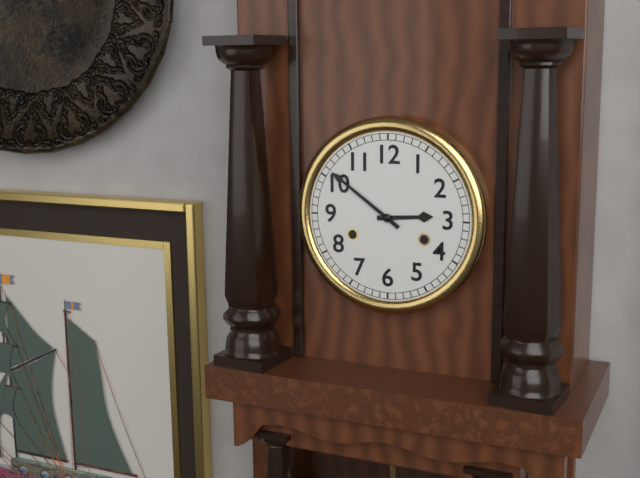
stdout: 2:51
